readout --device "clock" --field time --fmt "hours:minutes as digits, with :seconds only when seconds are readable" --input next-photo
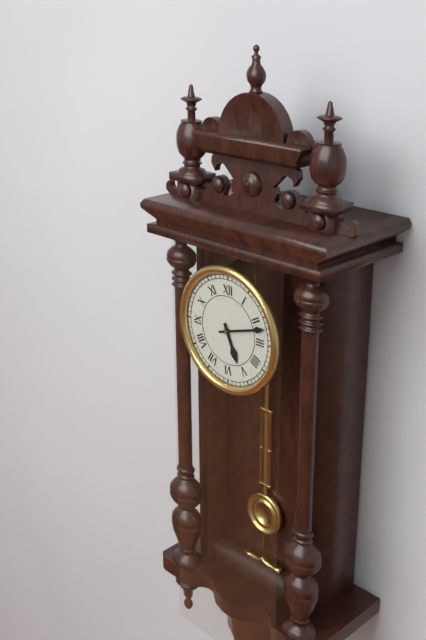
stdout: 5:12
